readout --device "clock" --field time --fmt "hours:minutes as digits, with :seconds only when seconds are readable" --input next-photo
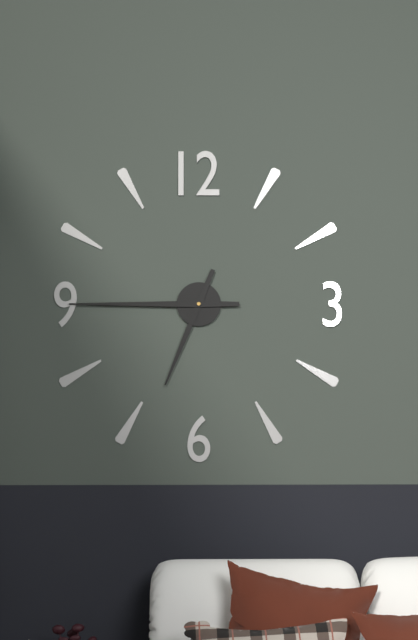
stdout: 6:45
